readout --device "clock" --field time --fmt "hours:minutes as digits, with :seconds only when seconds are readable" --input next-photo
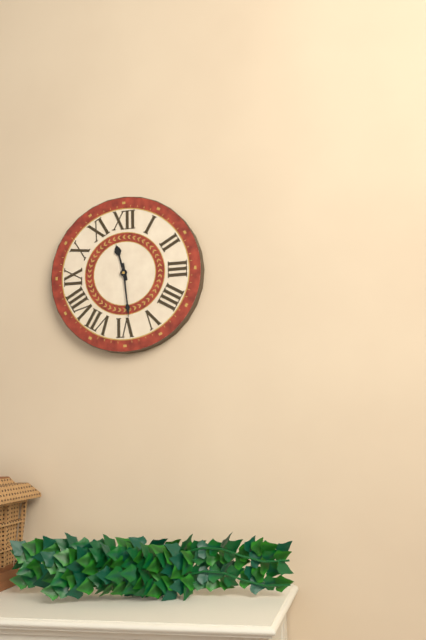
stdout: 11:29
